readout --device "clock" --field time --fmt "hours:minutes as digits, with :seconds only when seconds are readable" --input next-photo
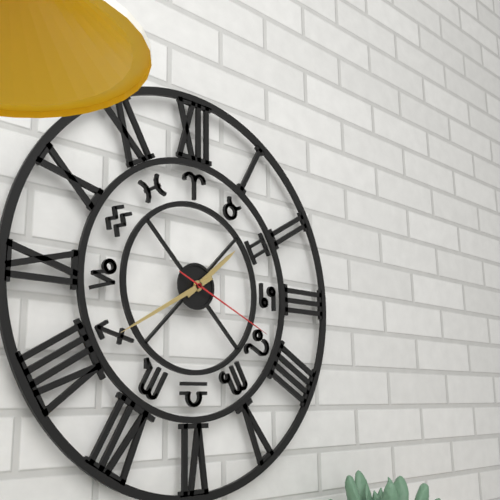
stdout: 1:40:19
